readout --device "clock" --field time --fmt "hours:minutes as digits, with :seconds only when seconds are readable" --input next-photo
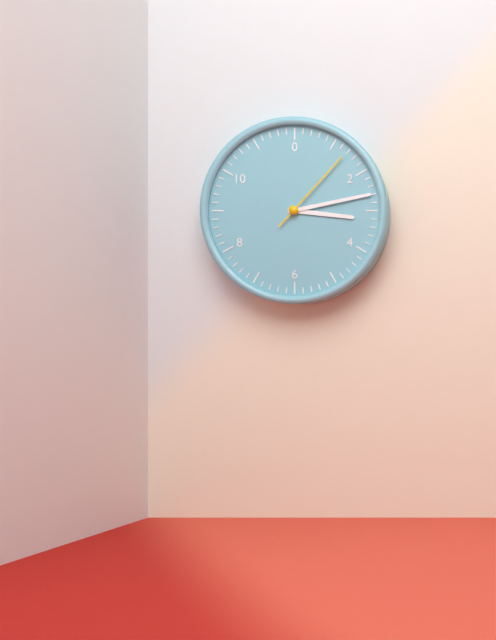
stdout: 3:13:07
